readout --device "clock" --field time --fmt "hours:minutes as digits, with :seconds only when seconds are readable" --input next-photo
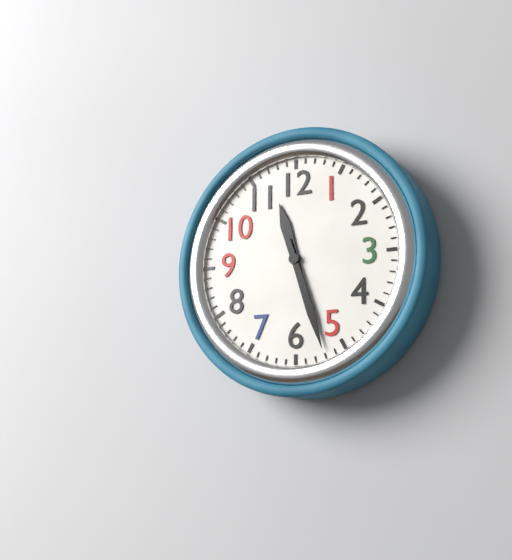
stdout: 11:27
